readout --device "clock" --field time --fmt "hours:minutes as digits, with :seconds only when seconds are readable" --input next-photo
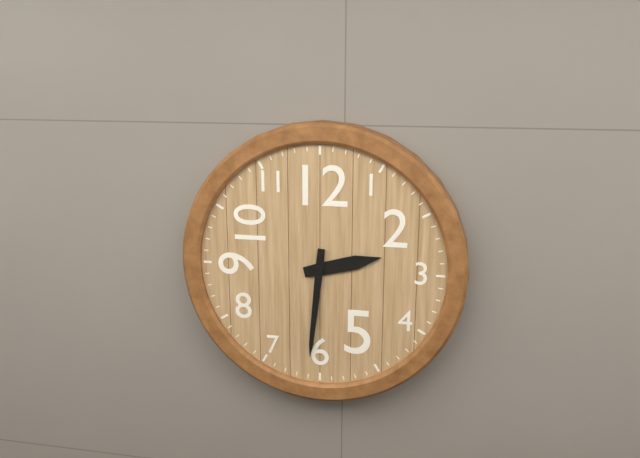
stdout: 2:31
